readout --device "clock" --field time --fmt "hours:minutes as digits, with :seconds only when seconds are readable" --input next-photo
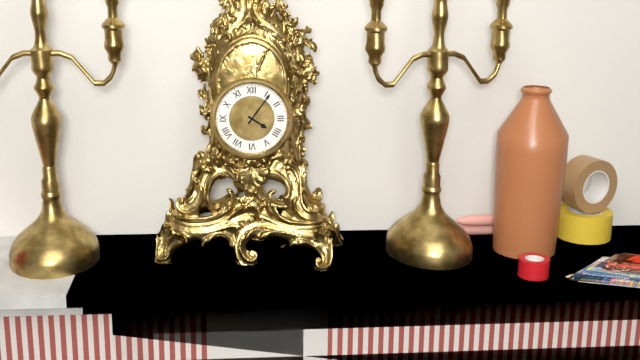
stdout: 4:06
